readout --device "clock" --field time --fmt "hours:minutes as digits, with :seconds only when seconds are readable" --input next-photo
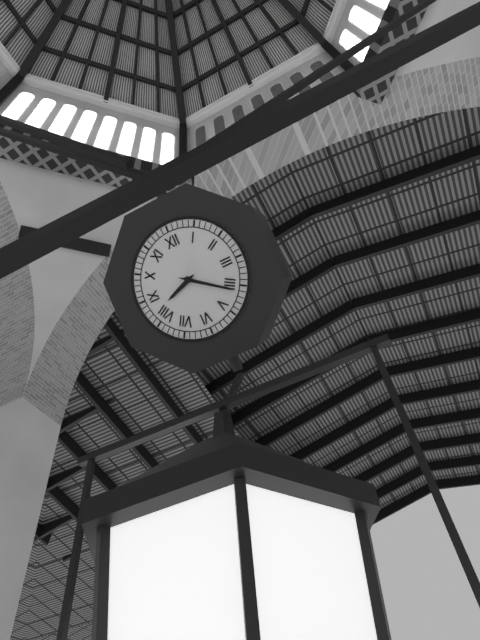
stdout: 8:21
